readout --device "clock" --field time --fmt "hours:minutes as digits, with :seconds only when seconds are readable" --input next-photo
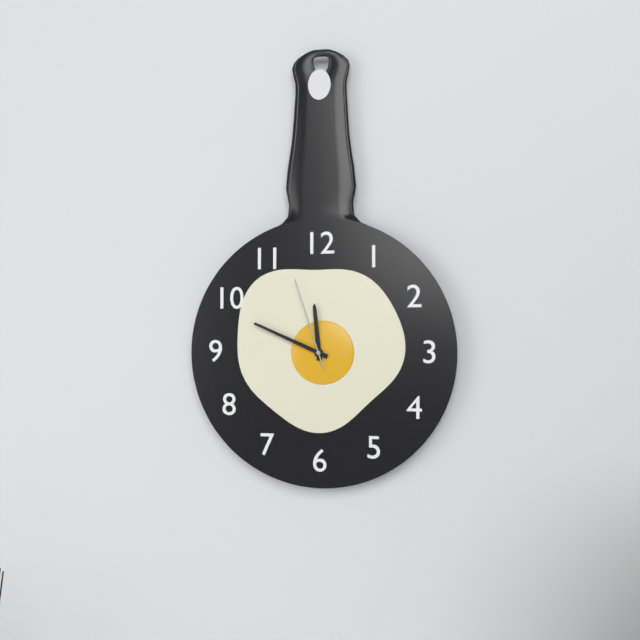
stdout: 11:49:57
